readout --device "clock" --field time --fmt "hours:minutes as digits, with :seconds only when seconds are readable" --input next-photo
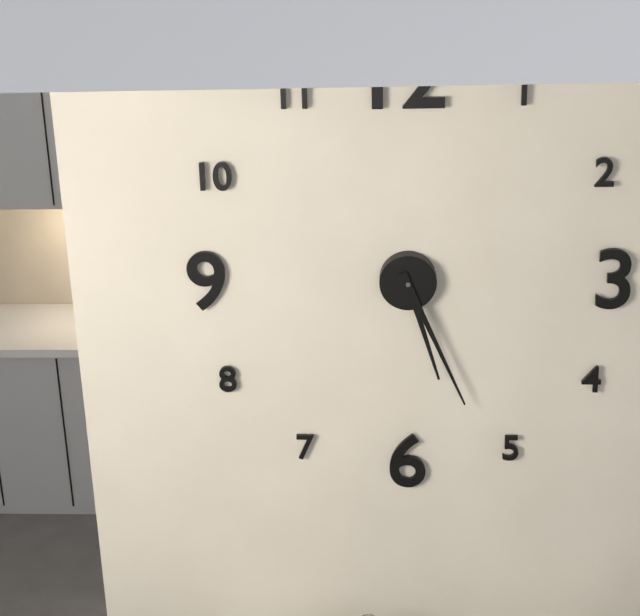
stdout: 5:26
